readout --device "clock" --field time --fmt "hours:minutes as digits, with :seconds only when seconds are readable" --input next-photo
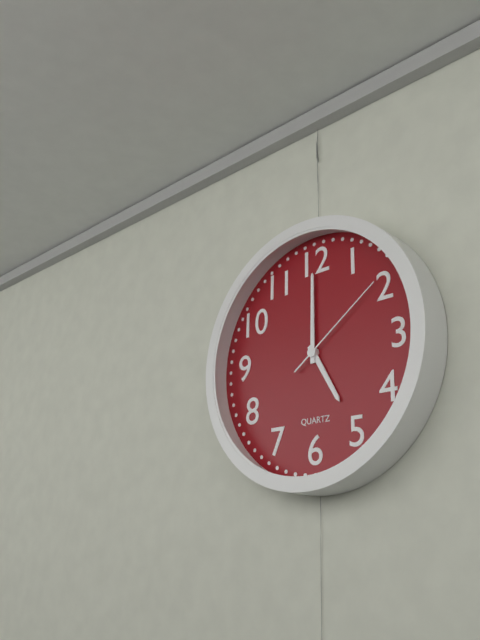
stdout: 5:00:09
